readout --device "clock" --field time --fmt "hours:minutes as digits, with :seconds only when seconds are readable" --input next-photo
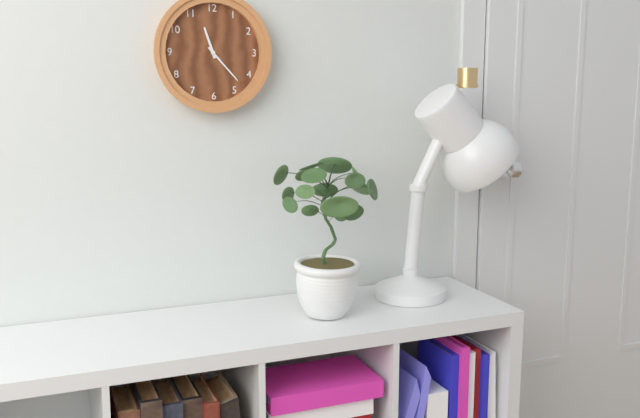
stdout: 11:23
